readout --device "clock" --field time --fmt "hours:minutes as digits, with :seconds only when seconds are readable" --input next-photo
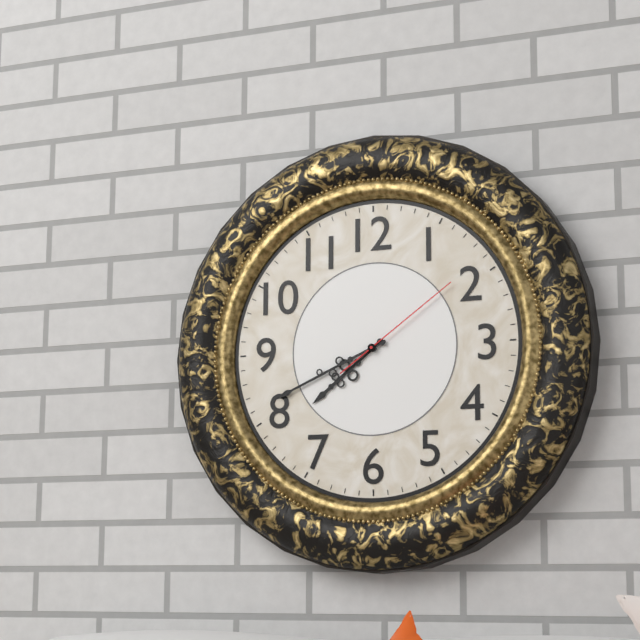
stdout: 7:41:09
